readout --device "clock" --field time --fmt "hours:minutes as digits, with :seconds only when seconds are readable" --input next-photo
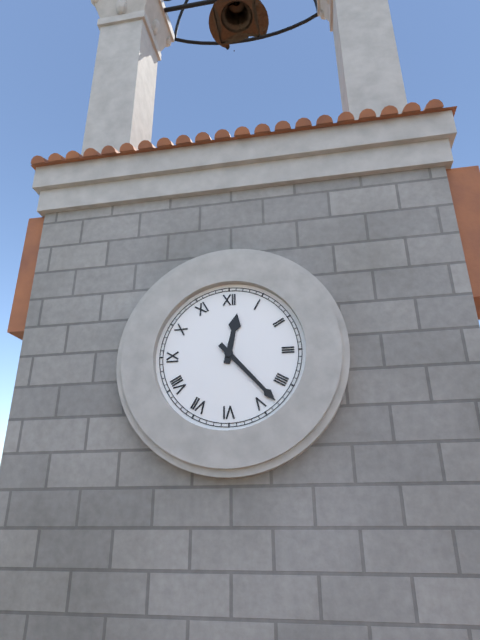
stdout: 12:23
